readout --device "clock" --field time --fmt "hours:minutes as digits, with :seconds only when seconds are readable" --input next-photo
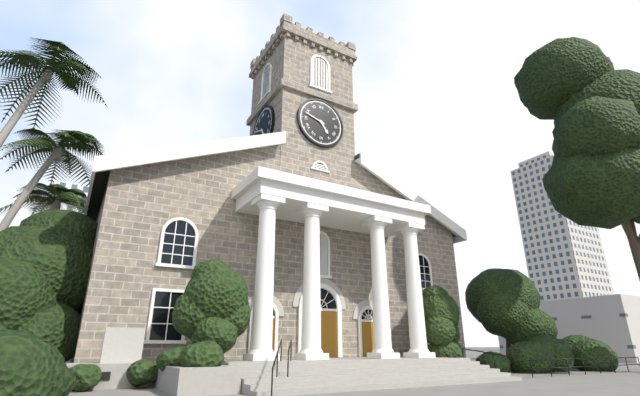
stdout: 4:48
